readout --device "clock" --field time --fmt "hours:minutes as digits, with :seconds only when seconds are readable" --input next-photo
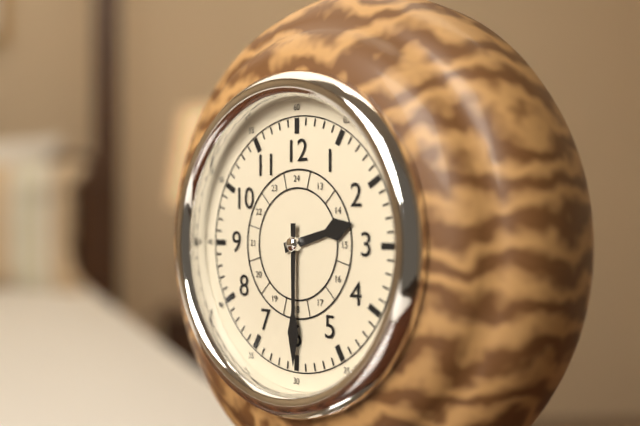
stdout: 2:30
